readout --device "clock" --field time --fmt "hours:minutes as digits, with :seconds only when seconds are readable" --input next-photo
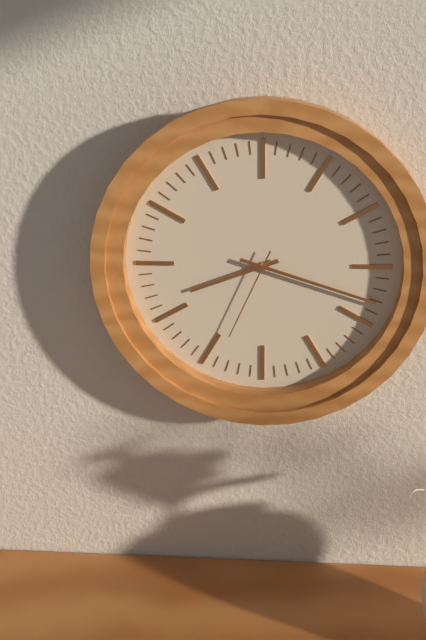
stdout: 8:18:34
